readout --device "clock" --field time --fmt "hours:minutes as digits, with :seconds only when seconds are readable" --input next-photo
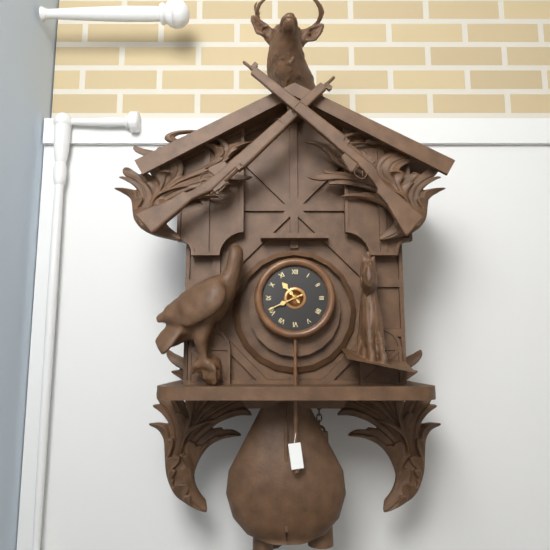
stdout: 10:41
